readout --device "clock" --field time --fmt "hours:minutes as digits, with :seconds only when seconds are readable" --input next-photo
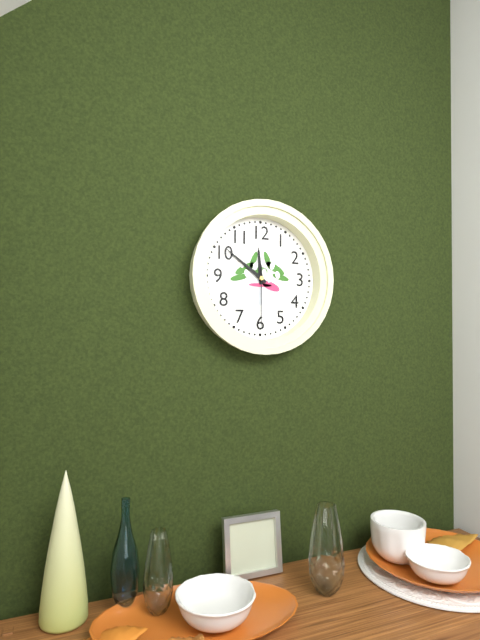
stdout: 11:51:30
